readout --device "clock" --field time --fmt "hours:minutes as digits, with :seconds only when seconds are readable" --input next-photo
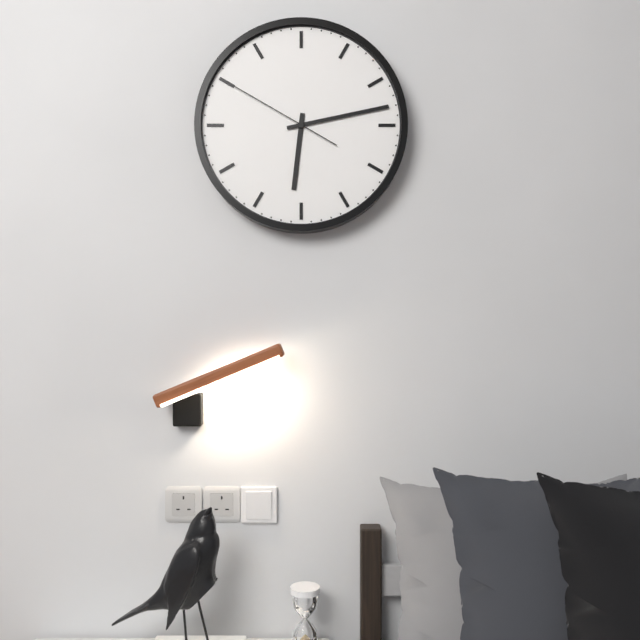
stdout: 6:13:50
